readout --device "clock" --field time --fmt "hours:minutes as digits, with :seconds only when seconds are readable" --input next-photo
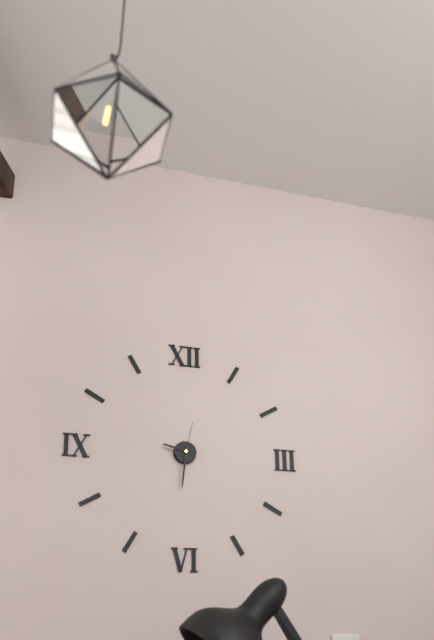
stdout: 9:31
